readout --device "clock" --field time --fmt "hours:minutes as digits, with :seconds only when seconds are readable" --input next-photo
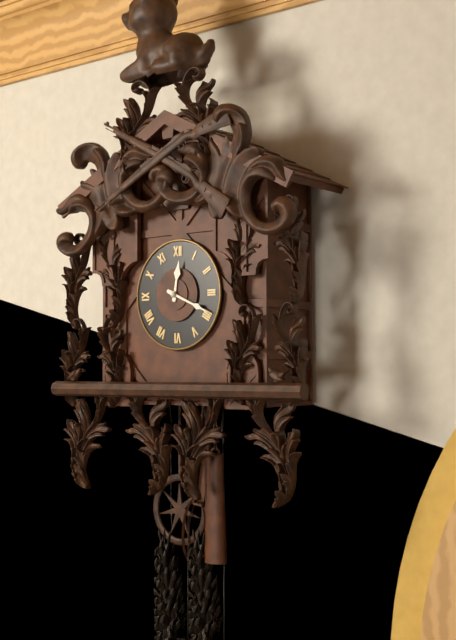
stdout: 12:19
